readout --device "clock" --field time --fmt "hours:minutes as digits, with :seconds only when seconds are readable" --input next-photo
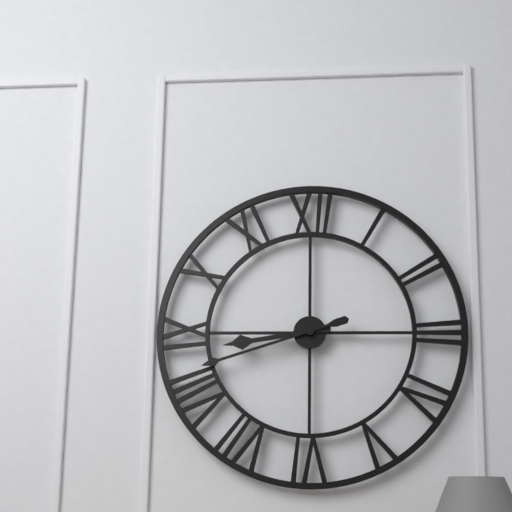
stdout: 8:42
